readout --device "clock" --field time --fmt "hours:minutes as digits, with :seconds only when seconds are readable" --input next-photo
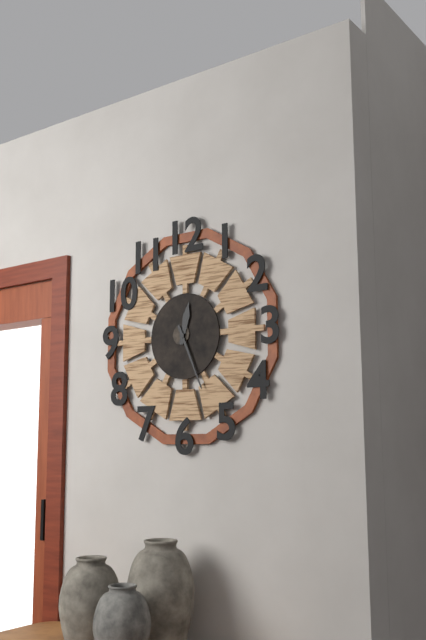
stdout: 12:26
